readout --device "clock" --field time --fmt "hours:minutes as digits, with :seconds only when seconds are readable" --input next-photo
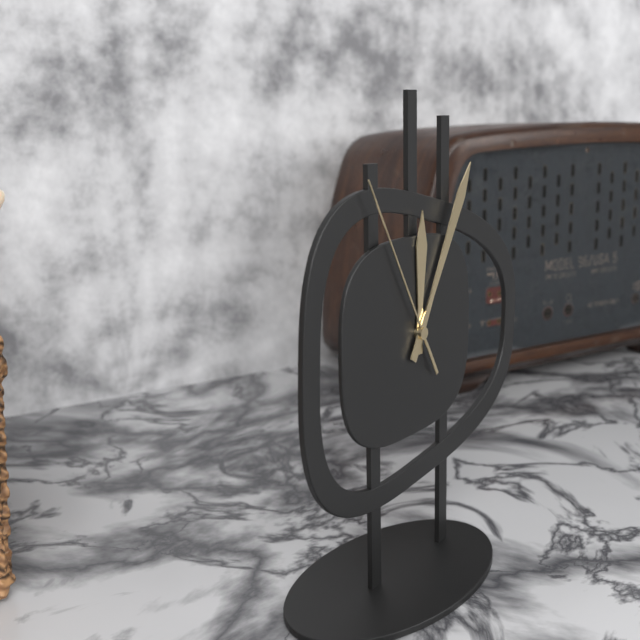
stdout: 12:05:55
